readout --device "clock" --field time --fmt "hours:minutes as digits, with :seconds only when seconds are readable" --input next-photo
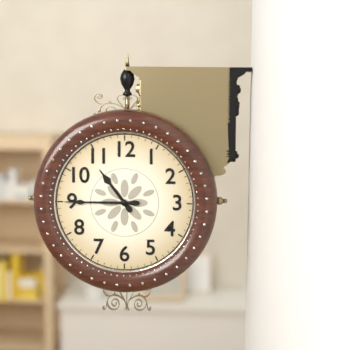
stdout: 10:45
